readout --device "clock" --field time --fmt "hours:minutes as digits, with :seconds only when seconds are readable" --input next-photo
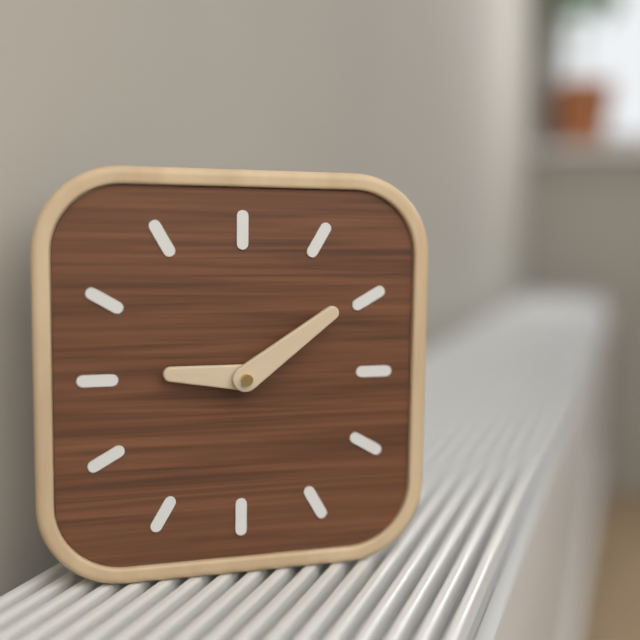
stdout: 9:09
